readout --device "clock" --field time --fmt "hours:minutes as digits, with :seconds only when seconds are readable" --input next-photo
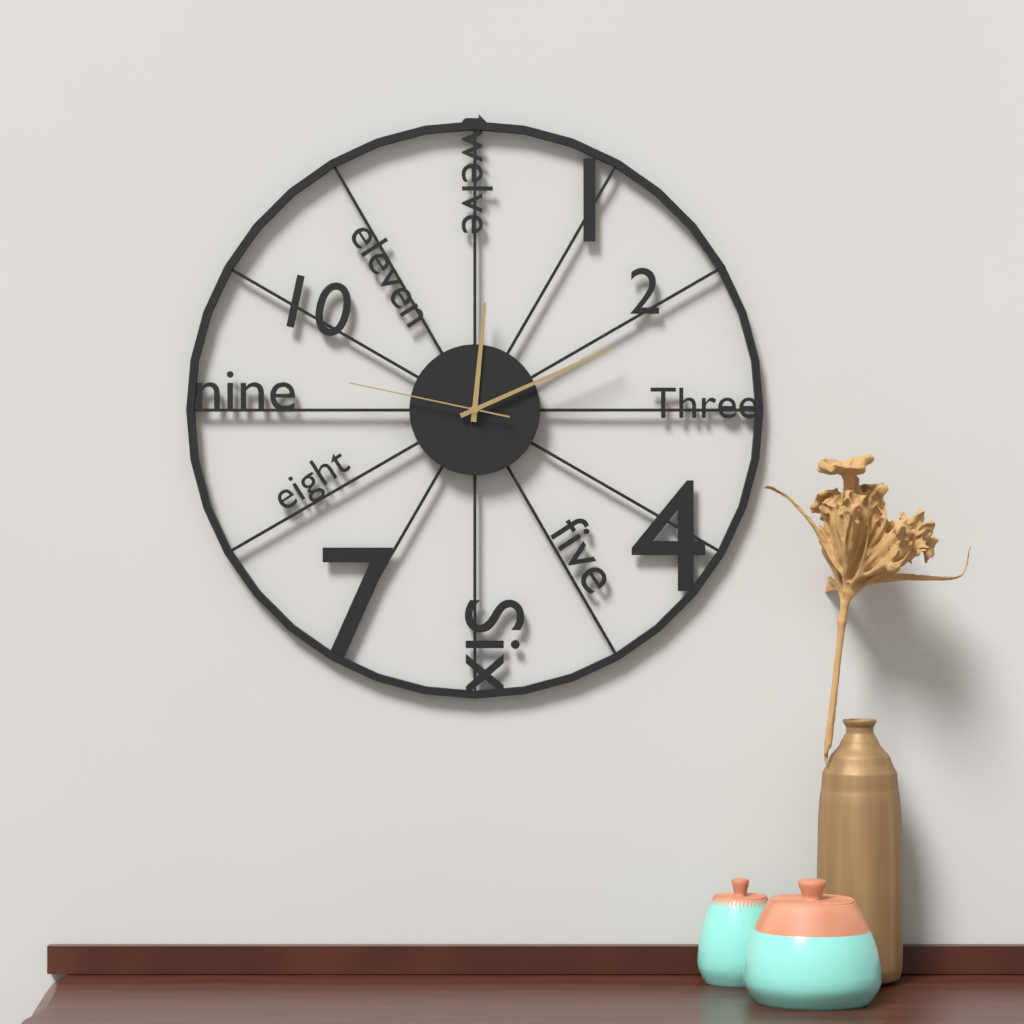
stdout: 12:11:47
